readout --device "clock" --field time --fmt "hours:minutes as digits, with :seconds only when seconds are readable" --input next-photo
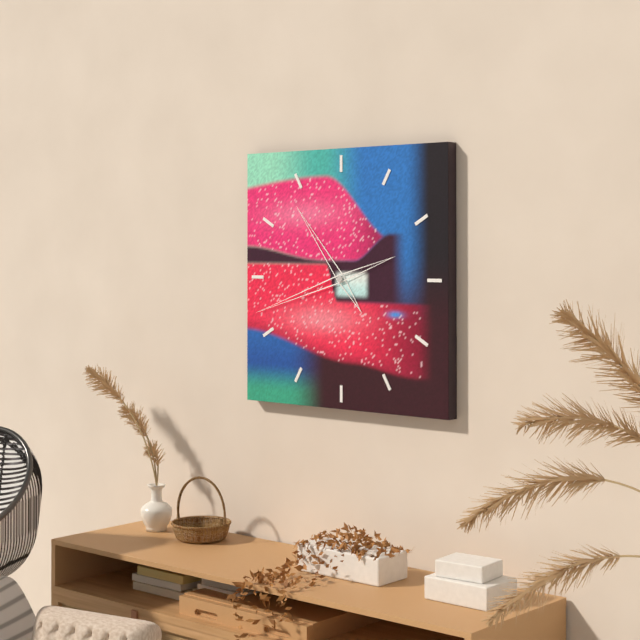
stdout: 10:42
